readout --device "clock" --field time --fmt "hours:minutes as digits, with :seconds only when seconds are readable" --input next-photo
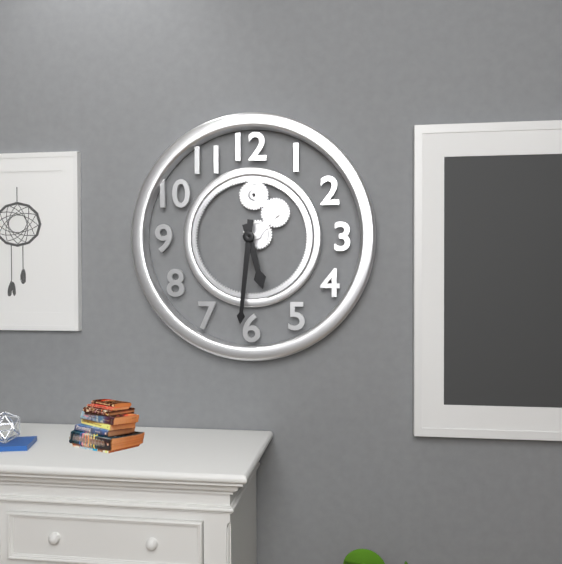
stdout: 5:31
